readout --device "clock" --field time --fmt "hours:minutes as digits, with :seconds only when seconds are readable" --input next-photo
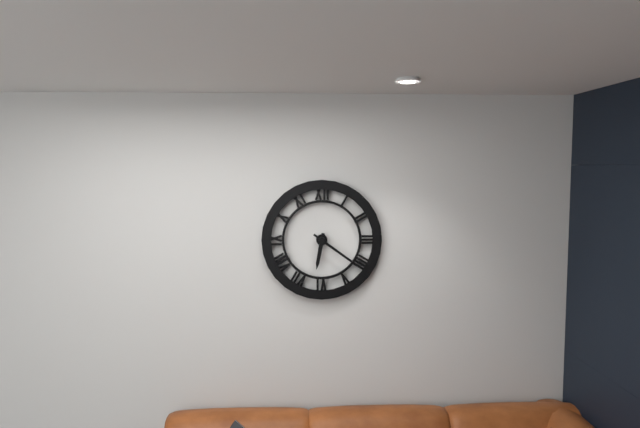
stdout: 6:21
